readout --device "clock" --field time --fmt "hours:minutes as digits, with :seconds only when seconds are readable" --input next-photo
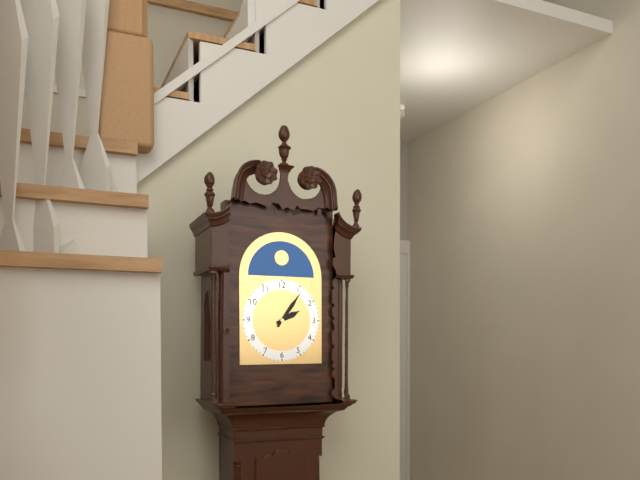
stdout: 2:06
